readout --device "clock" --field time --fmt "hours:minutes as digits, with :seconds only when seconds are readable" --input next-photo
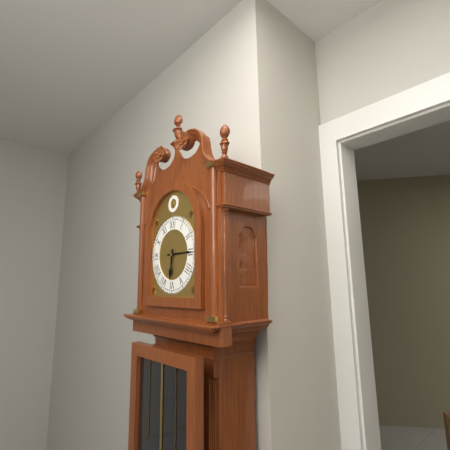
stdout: 6:15
